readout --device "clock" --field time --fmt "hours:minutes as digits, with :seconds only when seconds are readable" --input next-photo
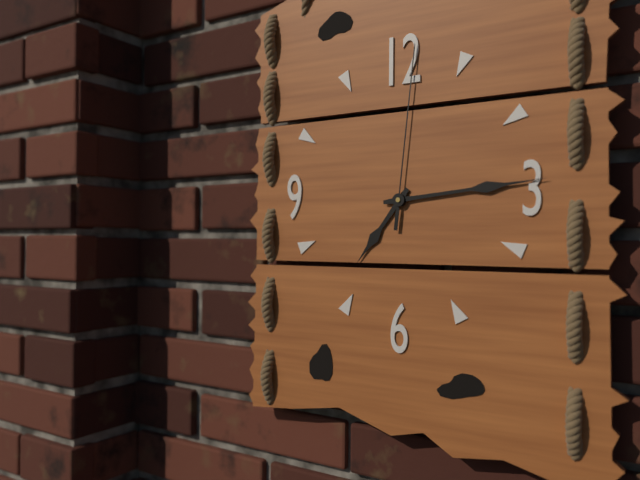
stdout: 7:14:01
